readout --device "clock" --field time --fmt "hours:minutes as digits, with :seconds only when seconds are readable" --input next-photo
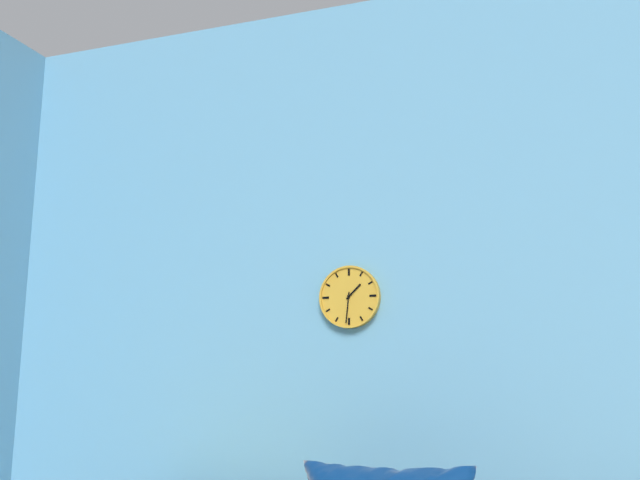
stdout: 1:31
